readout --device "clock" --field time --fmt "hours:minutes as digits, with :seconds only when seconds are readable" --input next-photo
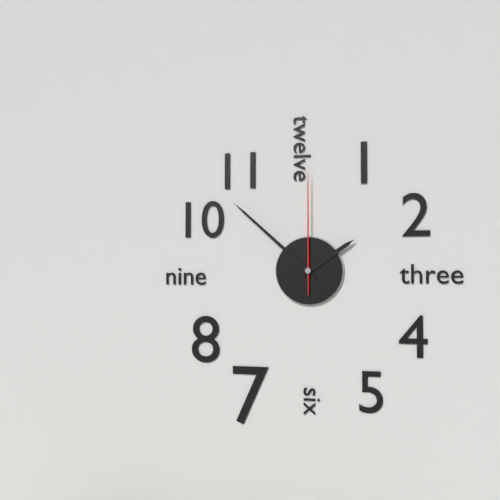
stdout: 1:52:00
